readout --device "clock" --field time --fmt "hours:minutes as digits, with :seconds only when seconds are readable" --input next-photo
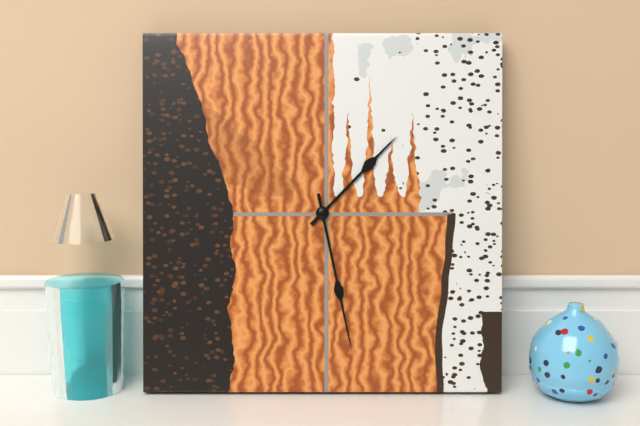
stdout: 1:28
